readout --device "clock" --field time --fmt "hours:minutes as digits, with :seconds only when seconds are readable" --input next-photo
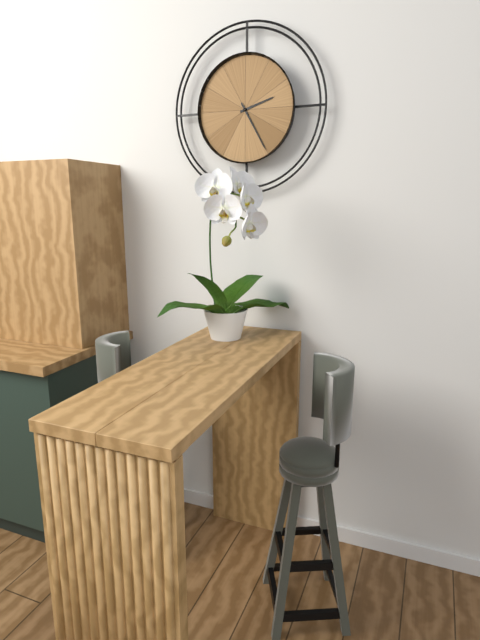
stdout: 2:25
